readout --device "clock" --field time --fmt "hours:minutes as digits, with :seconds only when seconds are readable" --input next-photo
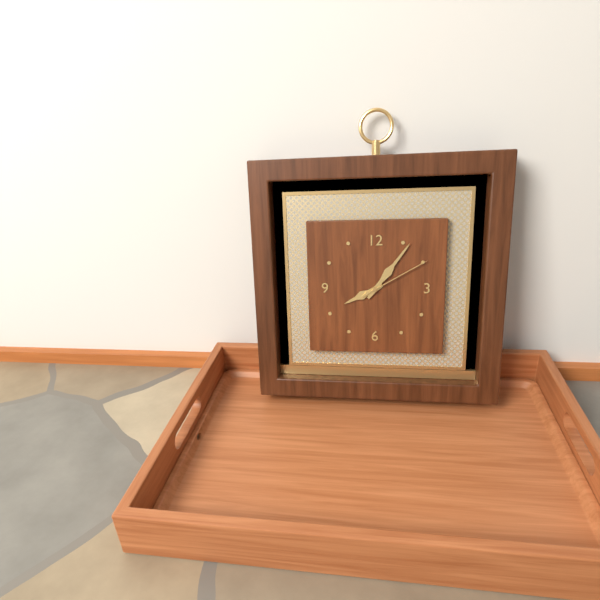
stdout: 8:06:10
